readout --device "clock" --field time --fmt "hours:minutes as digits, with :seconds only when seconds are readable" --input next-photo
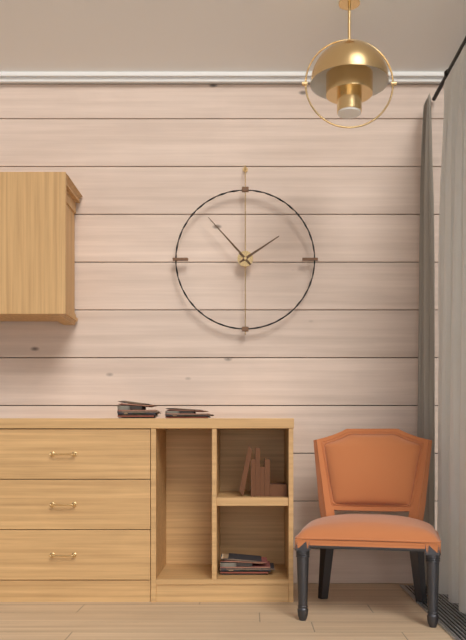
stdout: 1:53
